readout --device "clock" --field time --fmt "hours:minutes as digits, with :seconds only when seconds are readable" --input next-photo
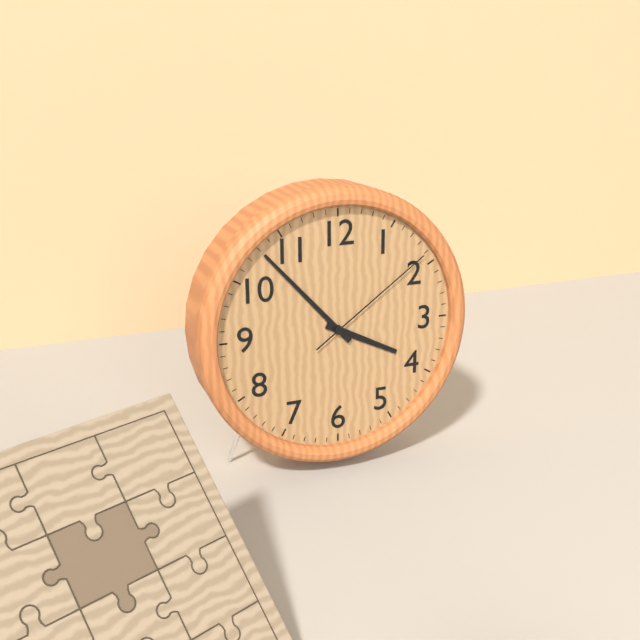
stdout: 3:53:09
